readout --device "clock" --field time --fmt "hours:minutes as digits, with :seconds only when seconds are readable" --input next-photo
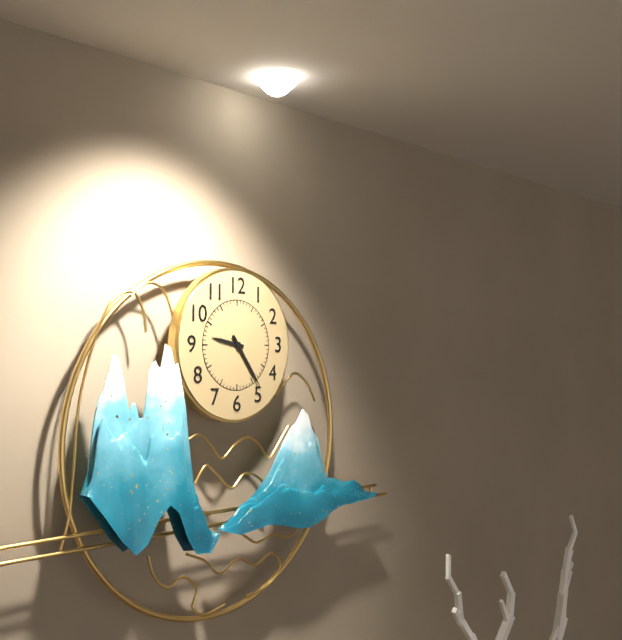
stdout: 9:24
